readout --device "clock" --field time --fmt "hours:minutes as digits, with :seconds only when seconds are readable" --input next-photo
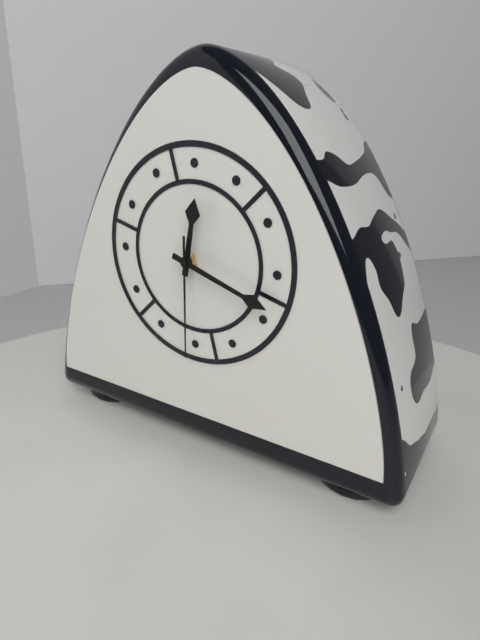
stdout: 12:18:30
